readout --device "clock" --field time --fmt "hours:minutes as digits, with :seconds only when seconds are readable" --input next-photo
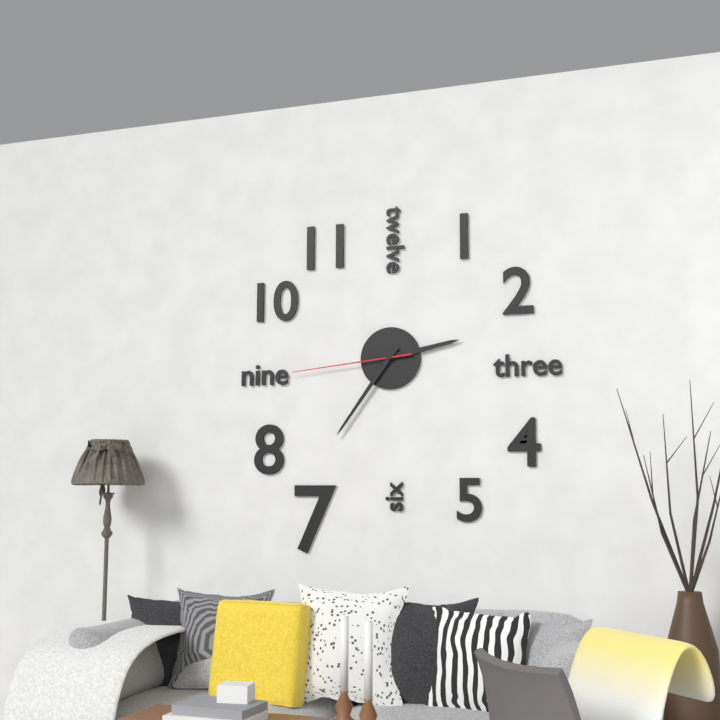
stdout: 2:36:44
